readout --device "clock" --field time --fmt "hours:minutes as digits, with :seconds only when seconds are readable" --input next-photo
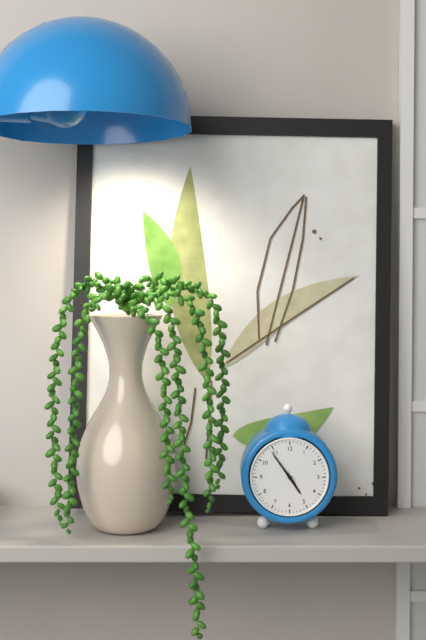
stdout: 4:54
